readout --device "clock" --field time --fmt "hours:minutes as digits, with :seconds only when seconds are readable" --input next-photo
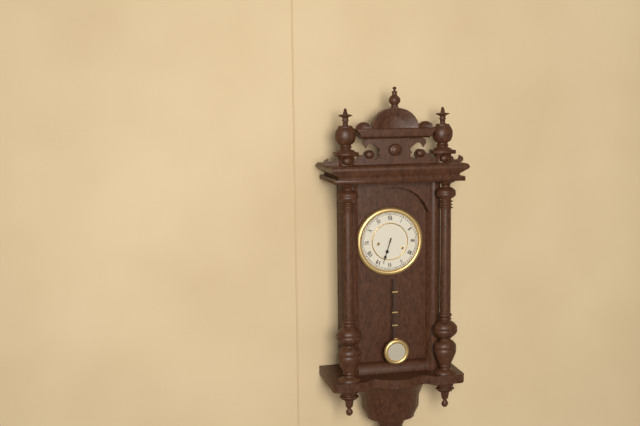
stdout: 6:33
